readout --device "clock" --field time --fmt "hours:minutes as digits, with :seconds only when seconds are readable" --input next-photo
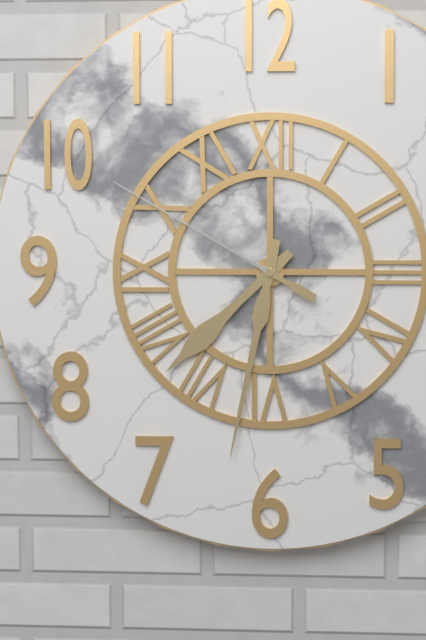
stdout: 7:32:50
